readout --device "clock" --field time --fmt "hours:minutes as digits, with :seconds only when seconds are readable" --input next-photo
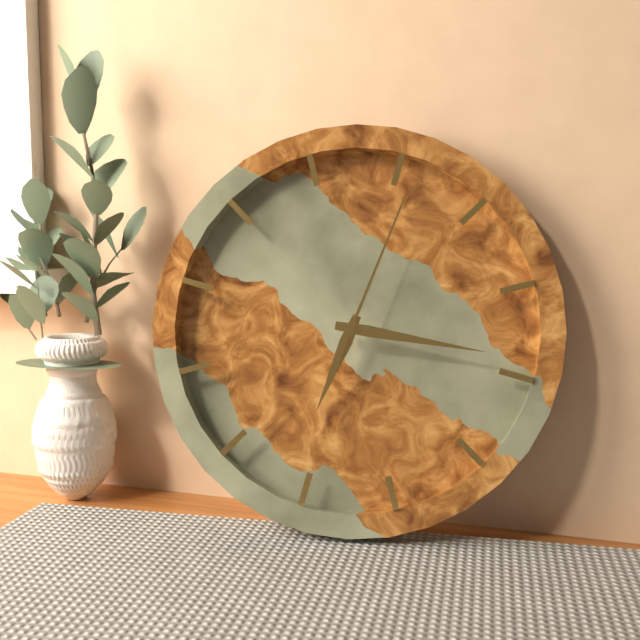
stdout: 6:14:01
